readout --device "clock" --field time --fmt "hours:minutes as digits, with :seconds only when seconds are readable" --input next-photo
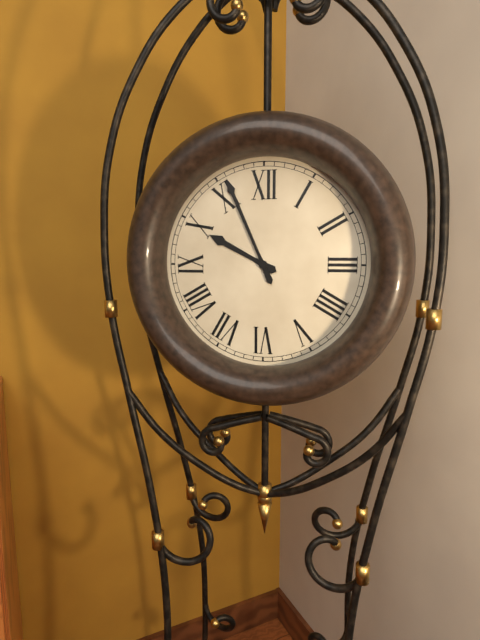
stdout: 9:56
